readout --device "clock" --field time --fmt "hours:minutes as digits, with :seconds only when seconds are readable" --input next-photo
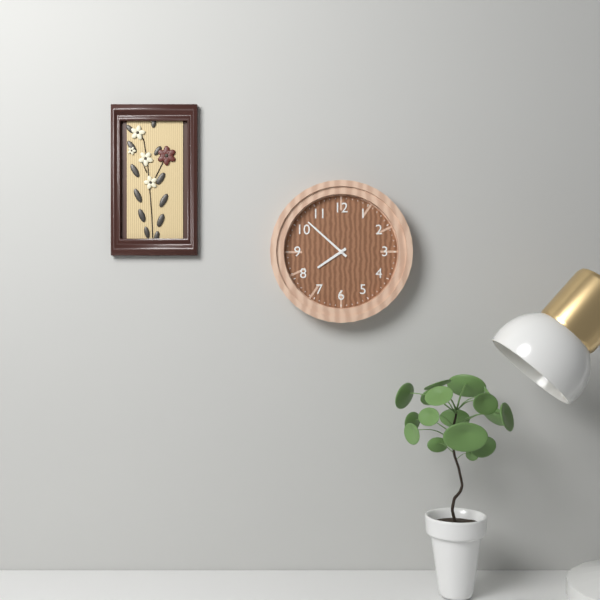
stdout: 7:52
